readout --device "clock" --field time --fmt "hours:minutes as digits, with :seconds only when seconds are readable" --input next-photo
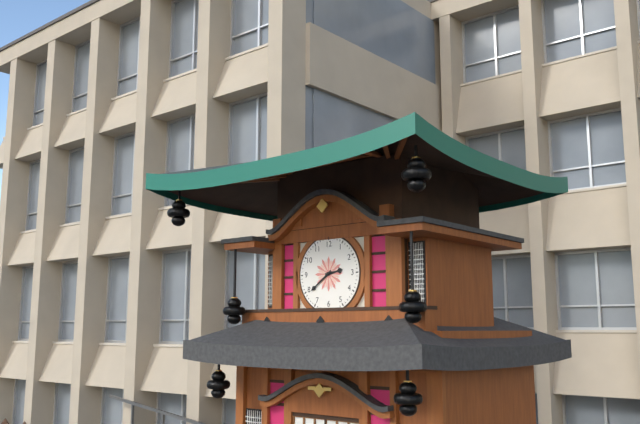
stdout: 2:39
